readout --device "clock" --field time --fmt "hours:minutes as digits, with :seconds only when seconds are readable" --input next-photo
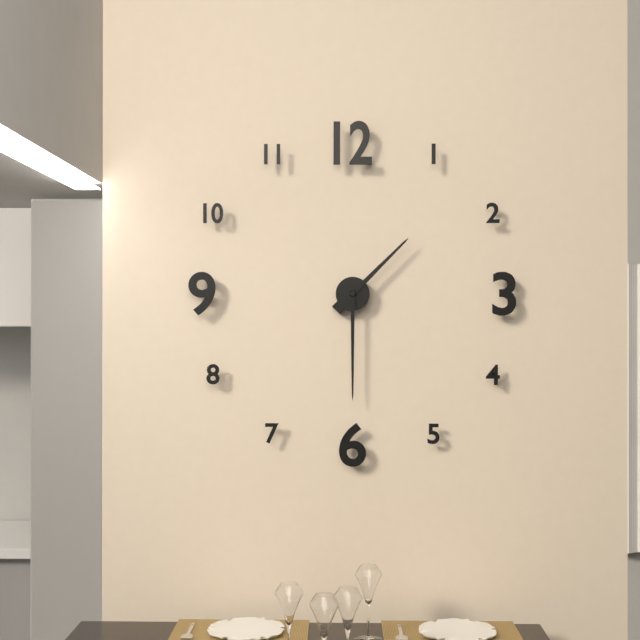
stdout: 1:30
